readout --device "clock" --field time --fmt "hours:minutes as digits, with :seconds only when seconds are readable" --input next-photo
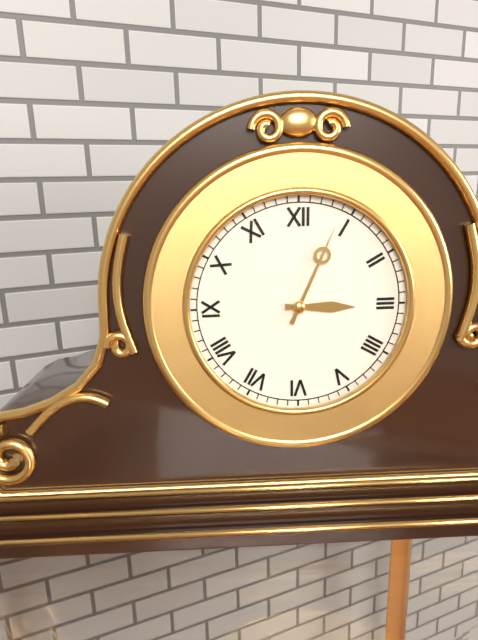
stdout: 3:04
